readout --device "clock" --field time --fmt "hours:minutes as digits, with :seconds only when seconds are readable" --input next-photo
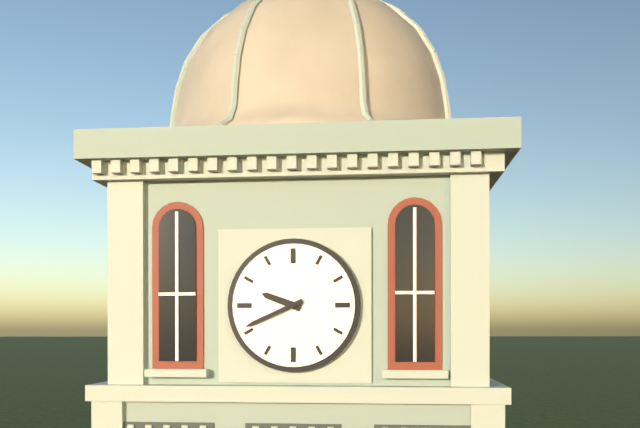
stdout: 9:41
